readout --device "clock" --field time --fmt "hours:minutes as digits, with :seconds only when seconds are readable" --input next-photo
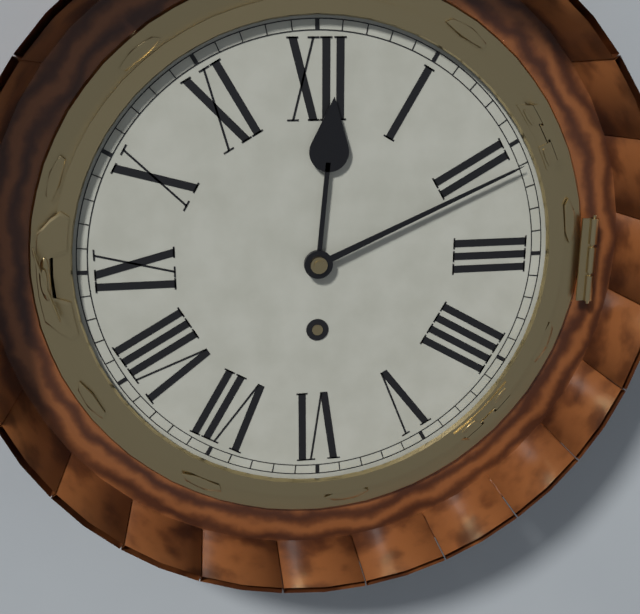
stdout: 12:11
